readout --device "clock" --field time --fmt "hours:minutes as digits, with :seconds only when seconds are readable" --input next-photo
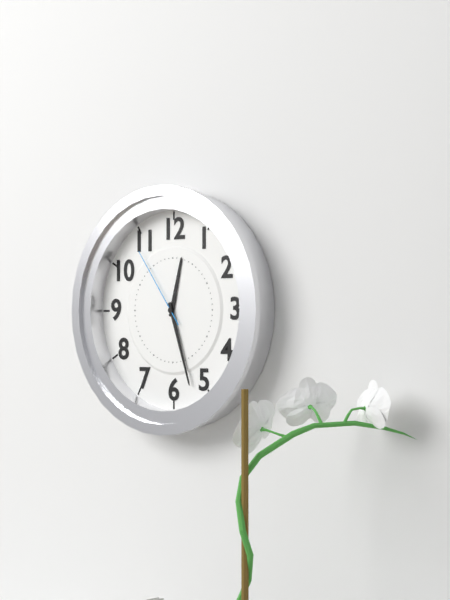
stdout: 12:27:54
